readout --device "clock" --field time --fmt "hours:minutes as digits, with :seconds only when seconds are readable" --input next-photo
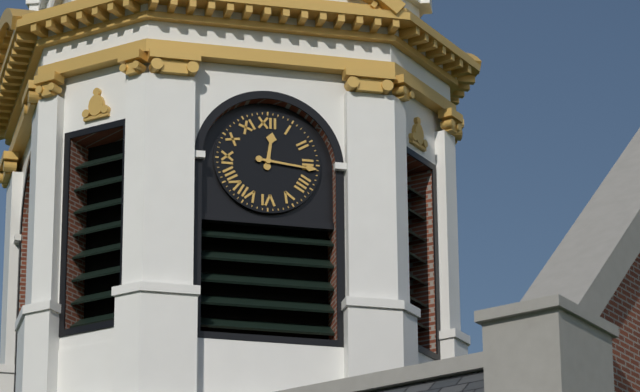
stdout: 12:16
